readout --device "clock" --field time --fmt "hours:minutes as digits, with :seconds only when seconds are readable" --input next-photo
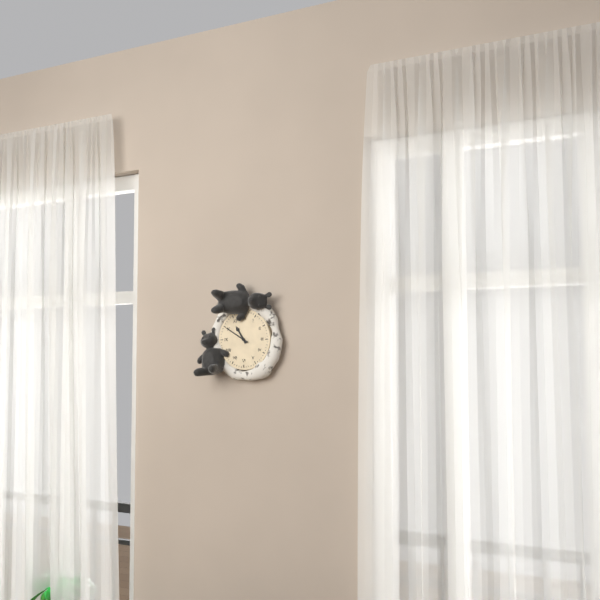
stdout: 10:50
